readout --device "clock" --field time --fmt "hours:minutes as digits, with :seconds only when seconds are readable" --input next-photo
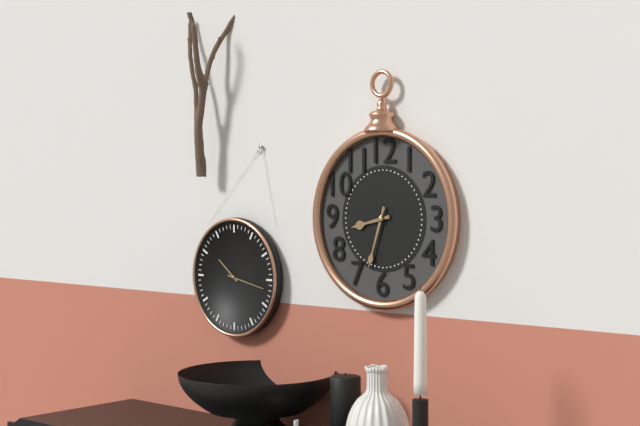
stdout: 8:33
